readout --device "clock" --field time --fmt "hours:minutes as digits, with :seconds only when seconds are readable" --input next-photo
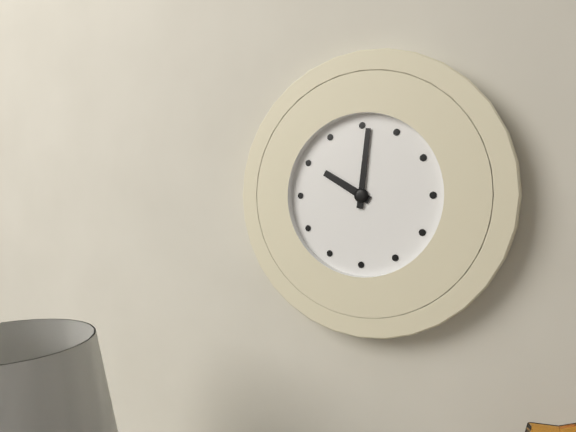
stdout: 10:01
